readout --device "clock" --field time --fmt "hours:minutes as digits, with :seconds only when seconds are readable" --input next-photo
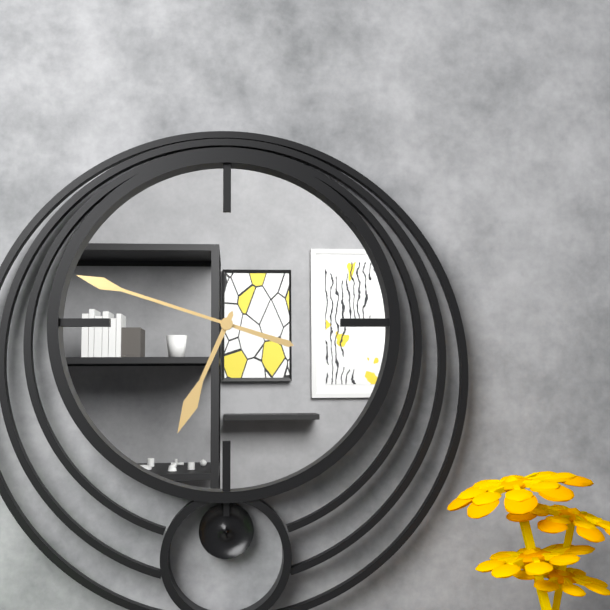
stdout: 6:48
